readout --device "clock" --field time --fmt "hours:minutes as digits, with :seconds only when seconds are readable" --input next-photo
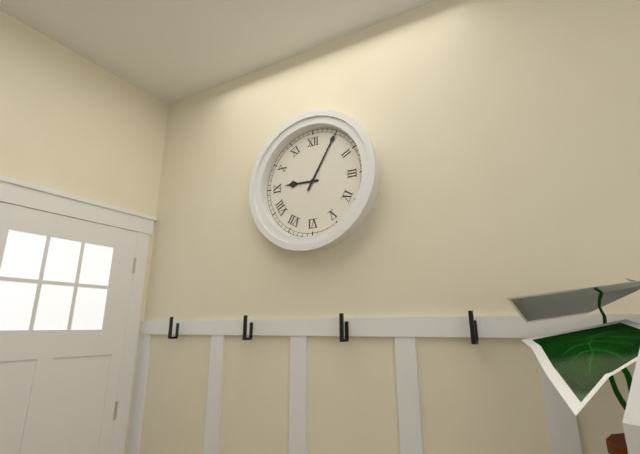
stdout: 9:05
